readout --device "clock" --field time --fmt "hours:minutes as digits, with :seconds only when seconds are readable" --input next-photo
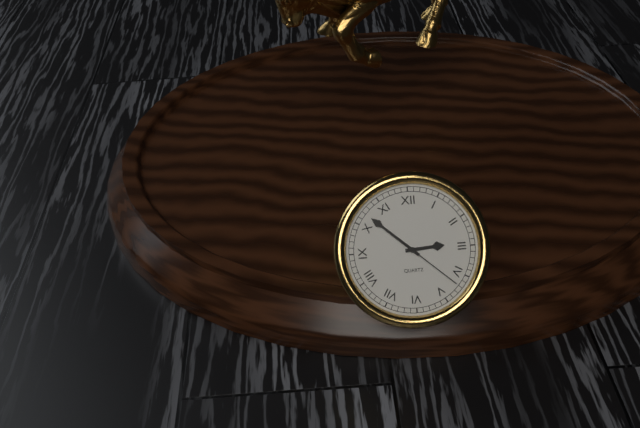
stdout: 2:52:22
